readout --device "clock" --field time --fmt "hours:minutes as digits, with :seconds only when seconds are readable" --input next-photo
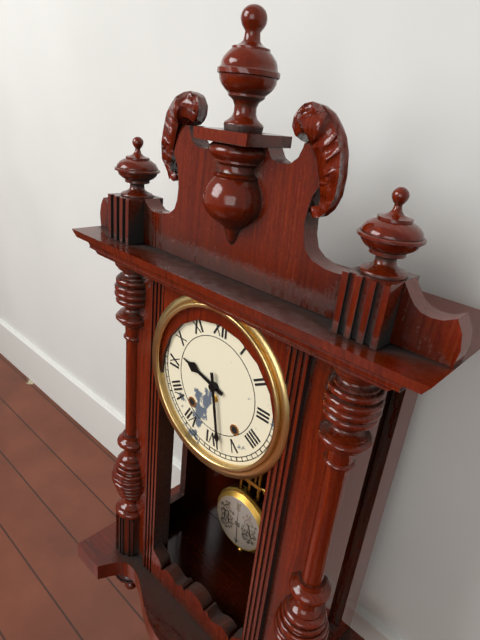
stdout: 9:28
